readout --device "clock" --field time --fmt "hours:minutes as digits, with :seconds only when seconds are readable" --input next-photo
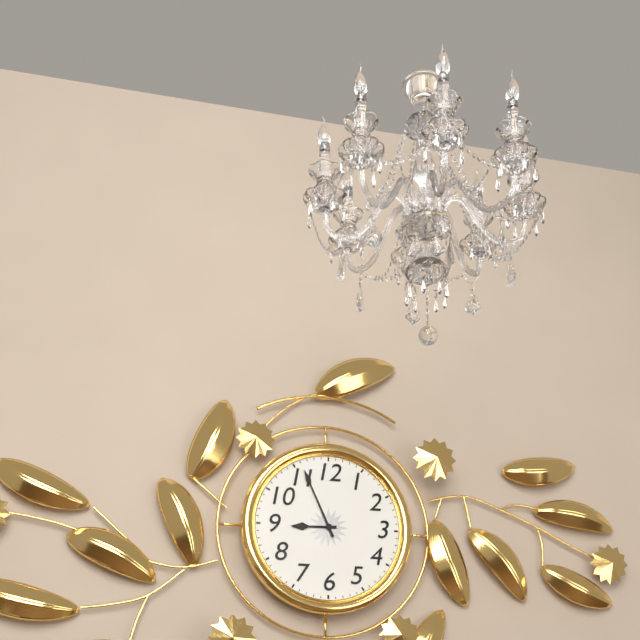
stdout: 8:56
